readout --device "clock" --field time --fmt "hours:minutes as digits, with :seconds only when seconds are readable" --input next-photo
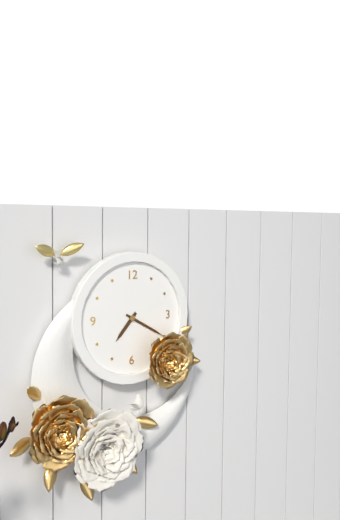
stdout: 7:20
